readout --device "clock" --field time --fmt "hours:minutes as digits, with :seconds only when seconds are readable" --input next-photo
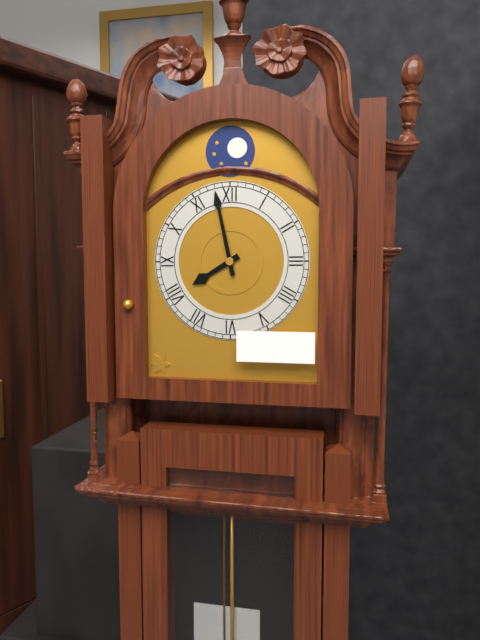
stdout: 7:58
